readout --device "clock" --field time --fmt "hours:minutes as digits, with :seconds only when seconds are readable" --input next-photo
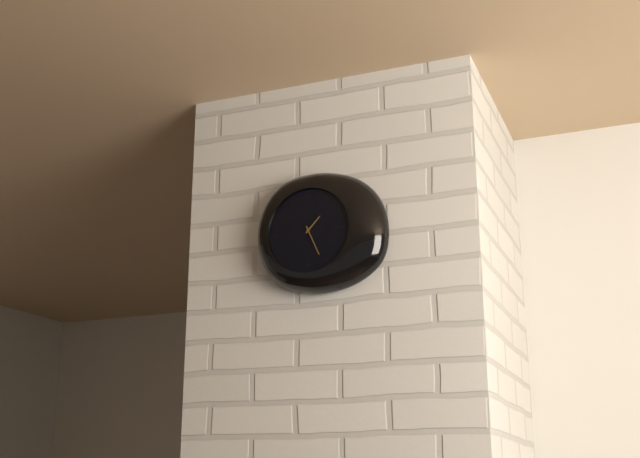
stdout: 1:26
